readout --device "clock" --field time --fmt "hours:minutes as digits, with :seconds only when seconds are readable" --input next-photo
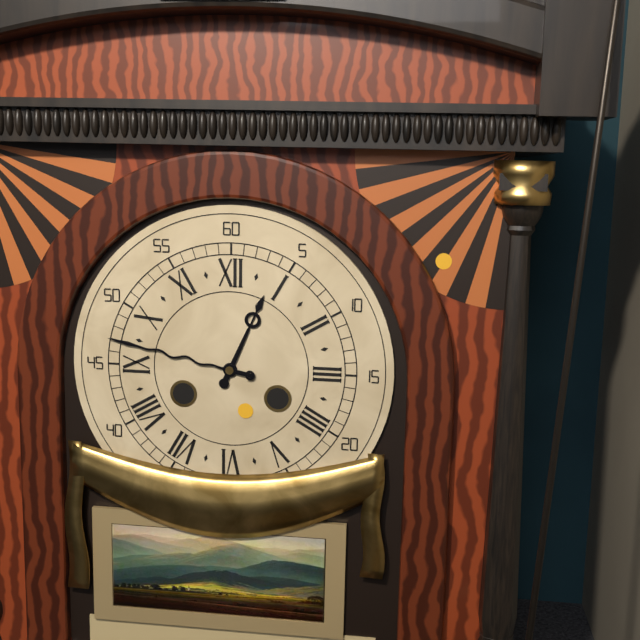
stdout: 12:47
